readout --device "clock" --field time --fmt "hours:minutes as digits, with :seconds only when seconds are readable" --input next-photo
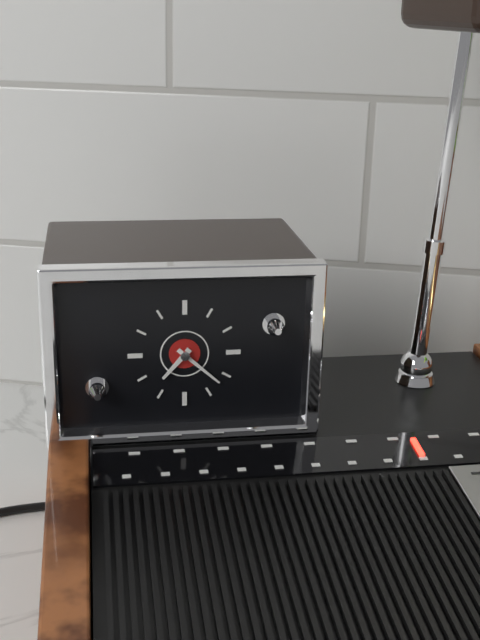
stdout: 7:22
